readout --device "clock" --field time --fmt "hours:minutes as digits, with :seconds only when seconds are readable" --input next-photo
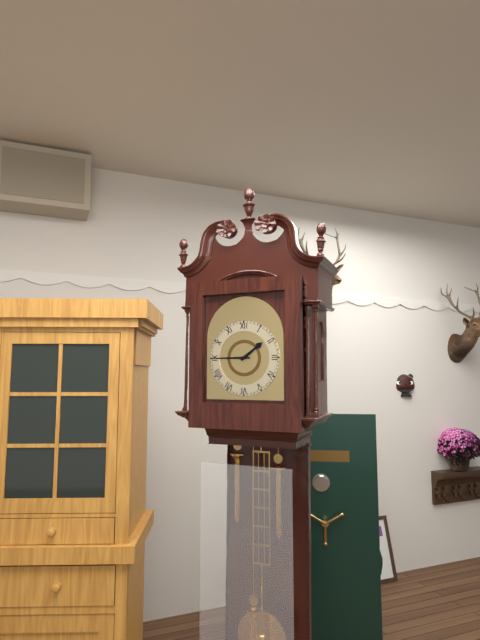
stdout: 1:45
